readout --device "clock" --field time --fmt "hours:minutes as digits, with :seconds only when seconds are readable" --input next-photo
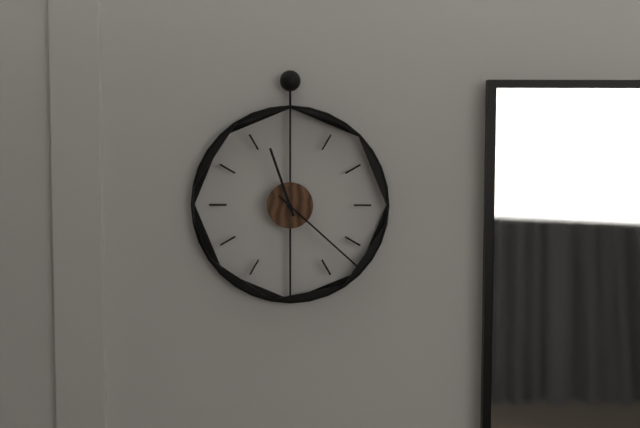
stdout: 11:22
